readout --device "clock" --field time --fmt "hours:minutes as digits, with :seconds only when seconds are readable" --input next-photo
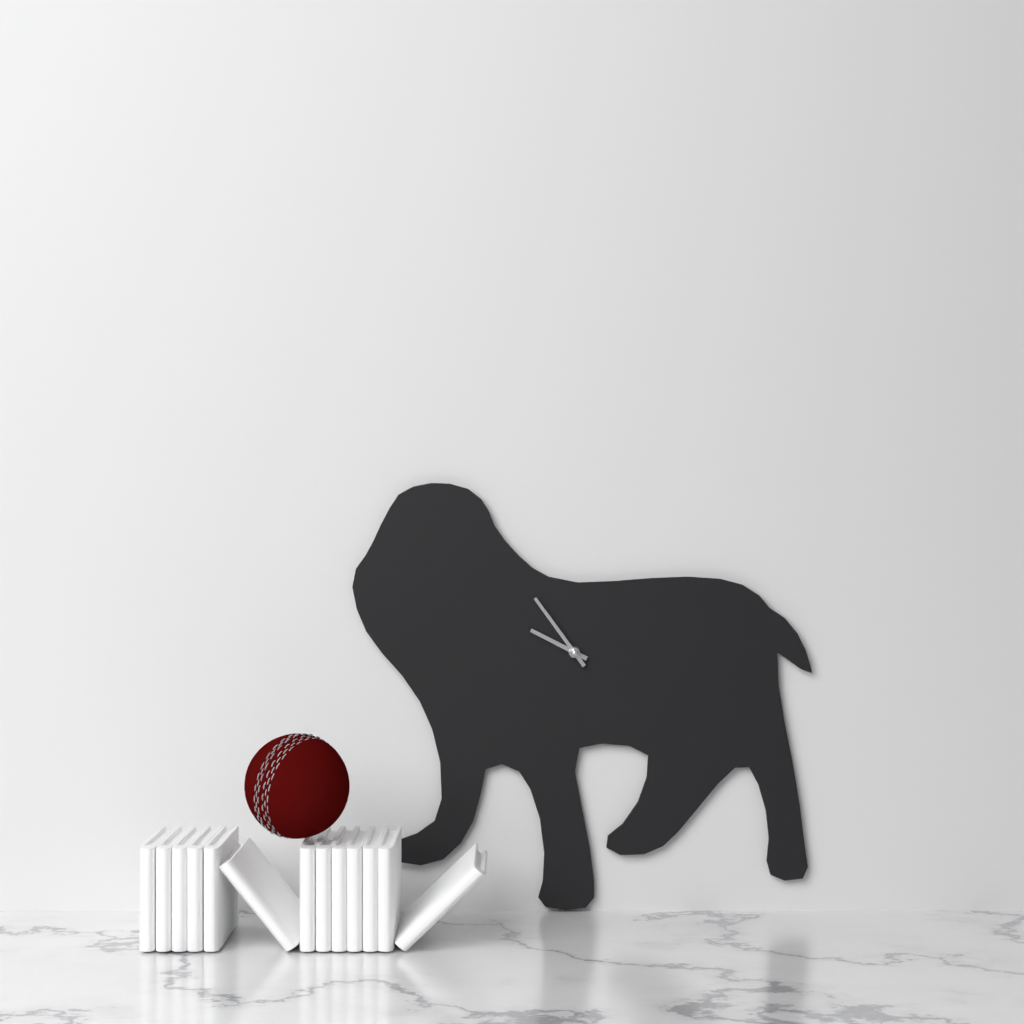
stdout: 9:54
